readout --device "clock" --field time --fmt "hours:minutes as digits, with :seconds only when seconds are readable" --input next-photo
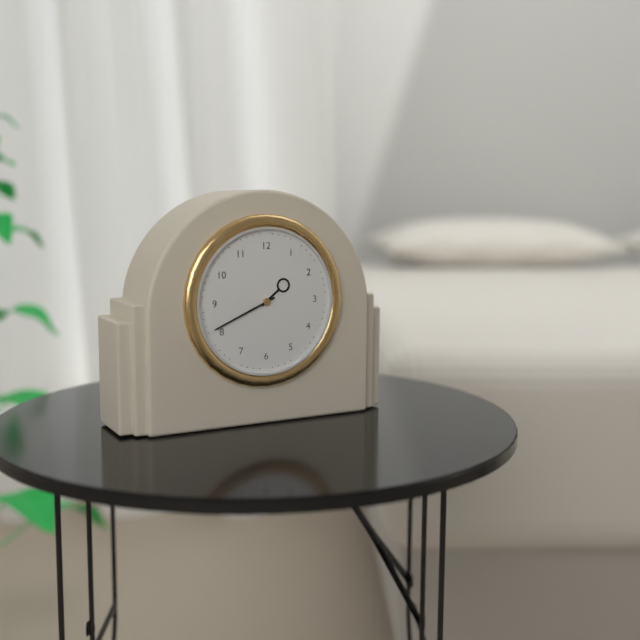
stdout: 1:41
